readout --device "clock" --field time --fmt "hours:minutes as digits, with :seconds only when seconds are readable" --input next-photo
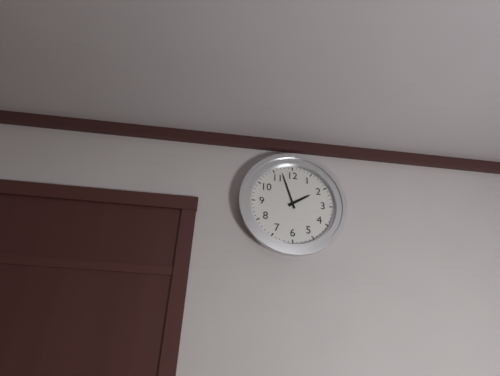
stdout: 1:57
